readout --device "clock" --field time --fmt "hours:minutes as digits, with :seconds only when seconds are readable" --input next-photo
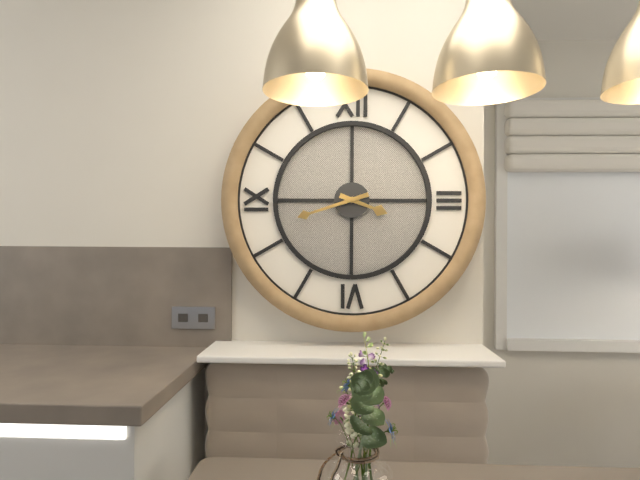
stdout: 3:42
